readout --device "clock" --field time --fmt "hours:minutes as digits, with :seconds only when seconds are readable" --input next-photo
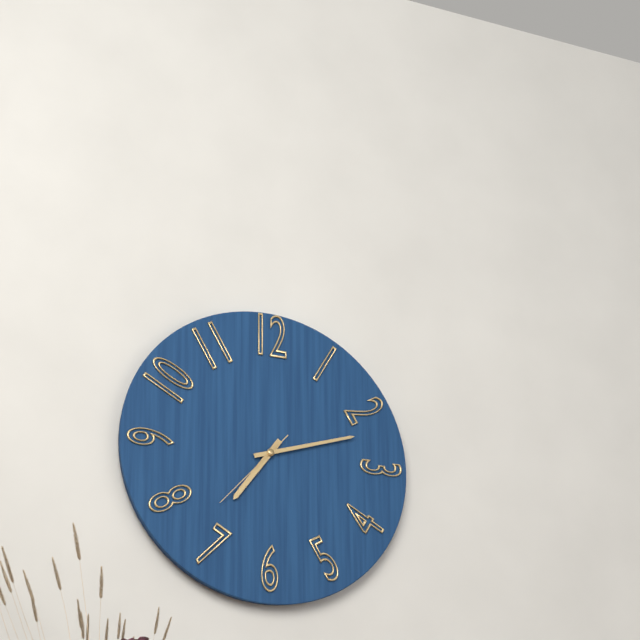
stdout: 7:12:37
